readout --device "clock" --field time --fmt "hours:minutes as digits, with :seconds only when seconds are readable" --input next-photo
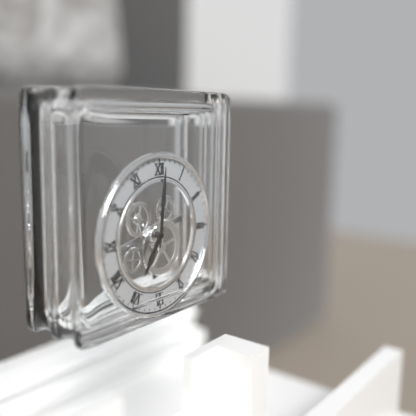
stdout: 7:01
